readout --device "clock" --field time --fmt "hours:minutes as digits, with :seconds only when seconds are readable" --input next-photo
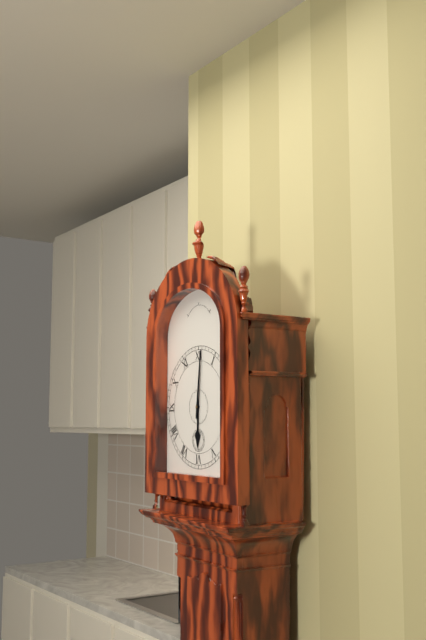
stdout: 6:01
